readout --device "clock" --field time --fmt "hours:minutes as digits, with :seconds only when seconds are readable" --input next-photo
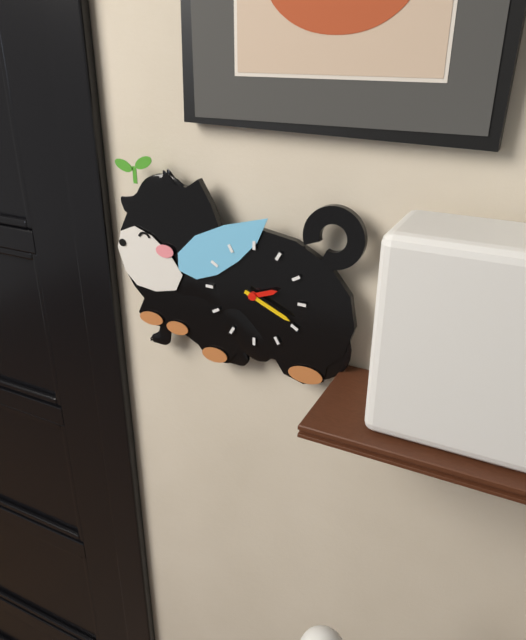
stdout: 2:19
